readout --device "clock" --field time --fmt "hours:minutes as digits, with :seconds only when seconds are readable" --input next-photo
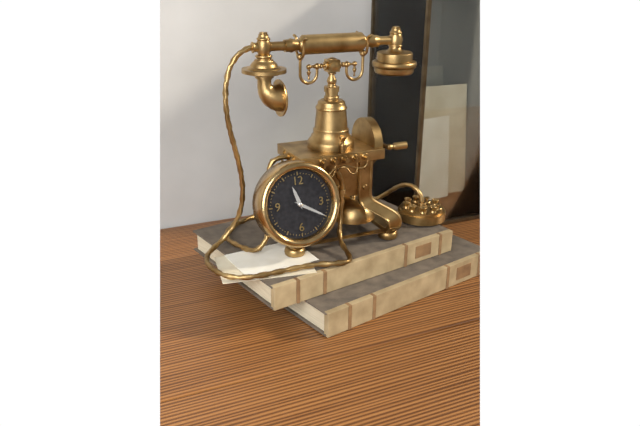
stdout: 11:20
